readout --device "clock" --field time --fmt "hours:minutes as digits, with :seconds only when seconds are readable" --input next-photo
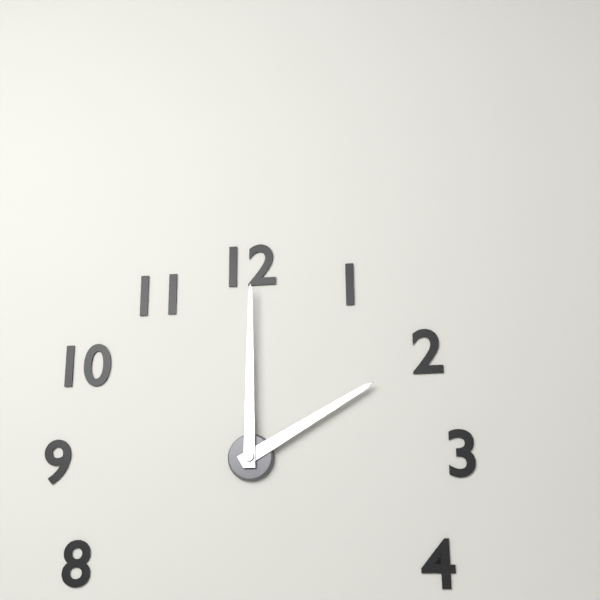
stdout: 2:00
